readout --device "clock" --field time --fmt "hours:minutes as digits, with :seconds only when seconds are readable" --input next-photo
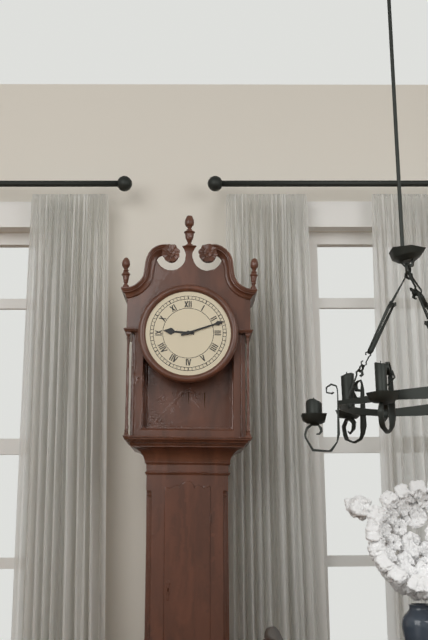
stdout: 9:12
